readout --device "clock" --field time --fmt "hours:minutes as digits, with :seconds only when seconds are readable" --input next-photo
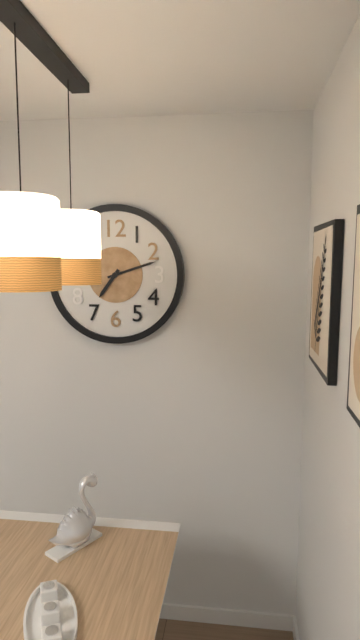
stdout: 7:12
